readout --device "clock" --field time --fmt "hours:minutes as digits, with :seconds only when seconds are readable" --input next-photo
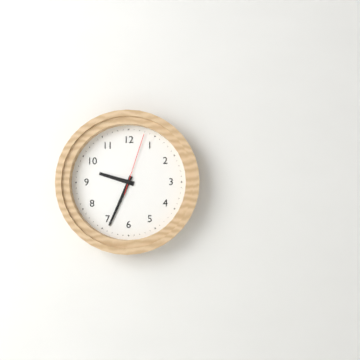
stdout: 9:34:03
